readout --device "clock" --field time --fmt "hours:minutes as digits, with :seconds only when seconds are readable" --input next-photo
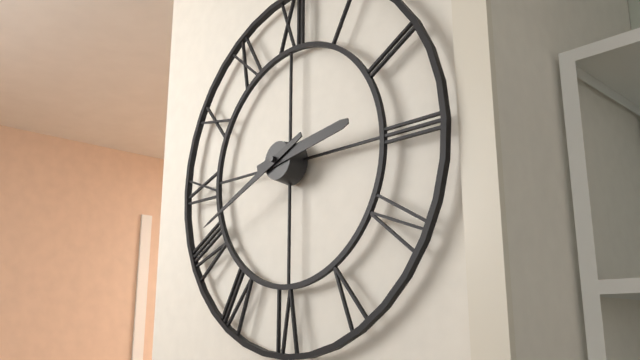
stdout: 2:41
